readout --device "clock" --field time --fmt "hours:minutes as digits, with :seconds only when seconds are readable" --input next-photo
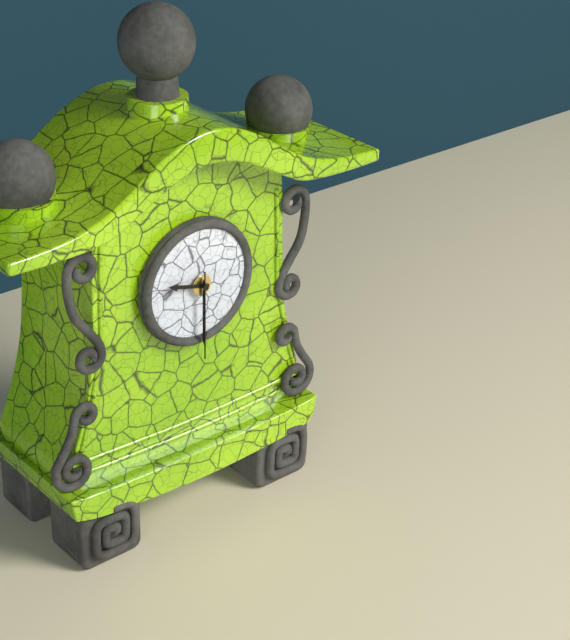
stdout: 9:30:30
